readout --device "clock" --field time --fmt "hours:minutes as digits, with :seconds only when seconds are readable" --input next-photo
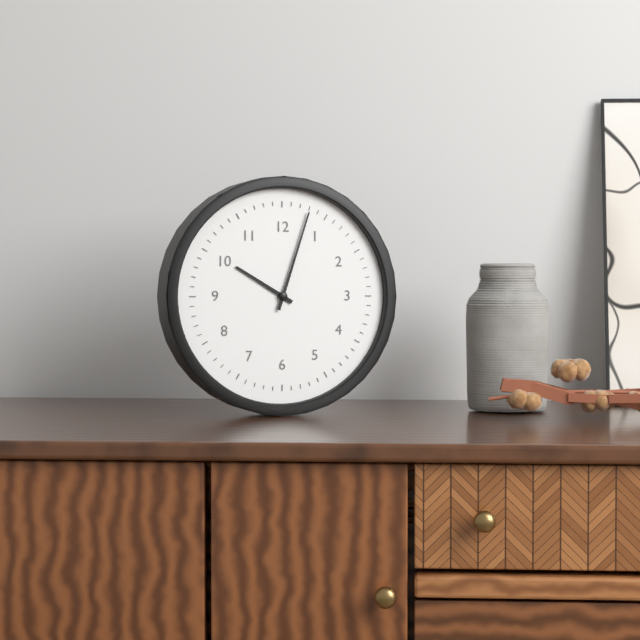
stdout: 10:03
